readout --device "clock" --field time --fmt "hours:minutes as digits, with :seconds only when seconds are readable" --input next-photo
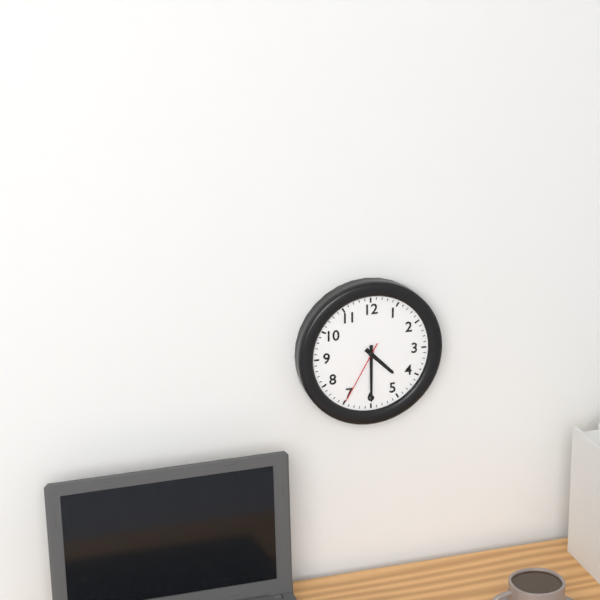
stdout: 4:30:35
